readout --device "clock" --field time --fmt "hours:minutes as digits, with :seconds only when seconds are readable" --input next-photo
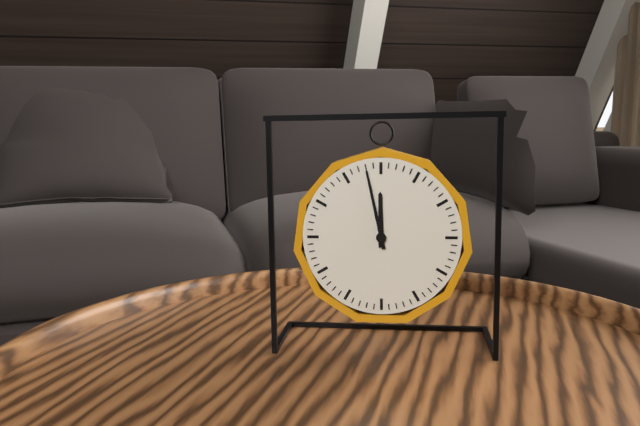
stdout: 11:58
